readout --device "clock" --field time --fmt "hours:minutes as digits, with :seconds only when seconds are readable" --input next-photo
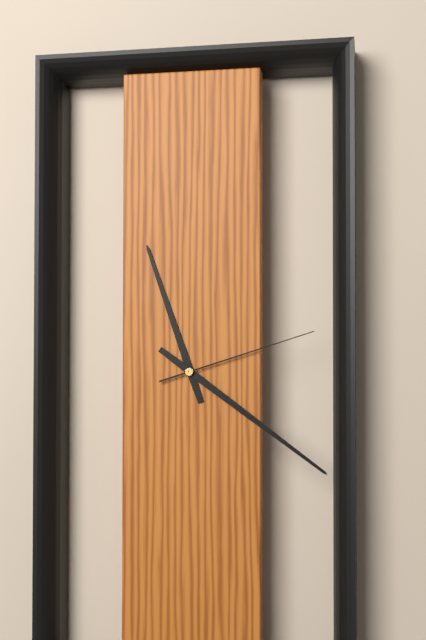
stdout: 11:21:12
